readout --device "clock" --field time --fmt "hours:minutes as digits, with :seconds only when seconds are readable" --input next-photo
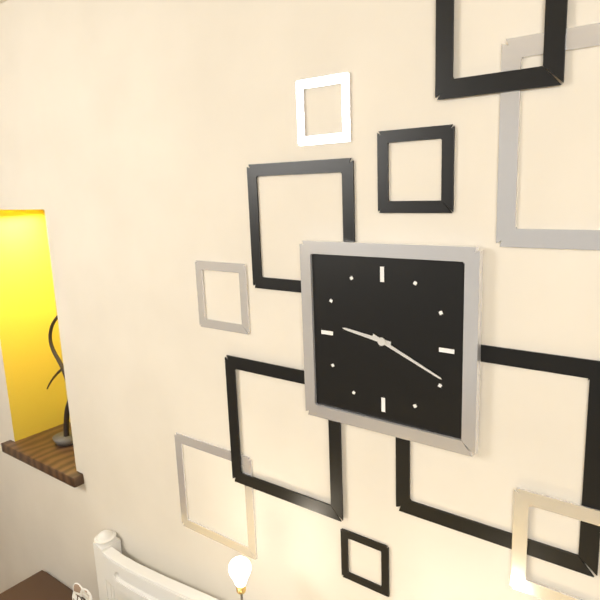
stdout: 9:19
